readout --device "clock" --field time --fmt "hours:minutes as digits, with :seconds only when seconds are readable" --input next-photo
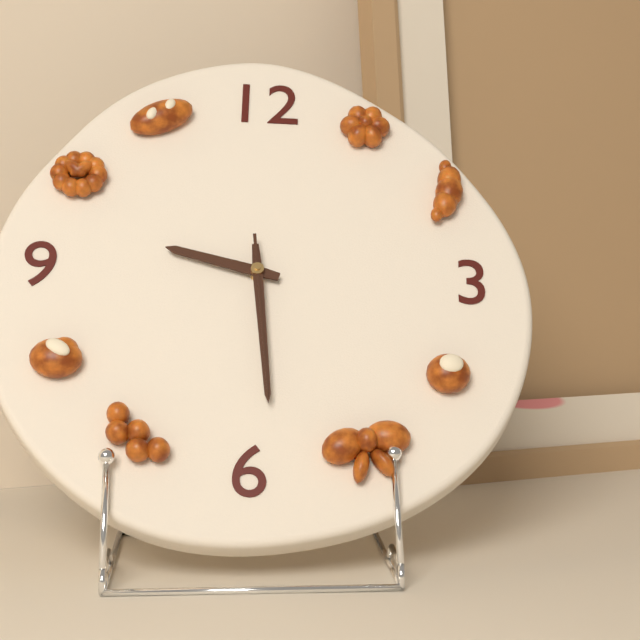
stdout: 9:29:29
